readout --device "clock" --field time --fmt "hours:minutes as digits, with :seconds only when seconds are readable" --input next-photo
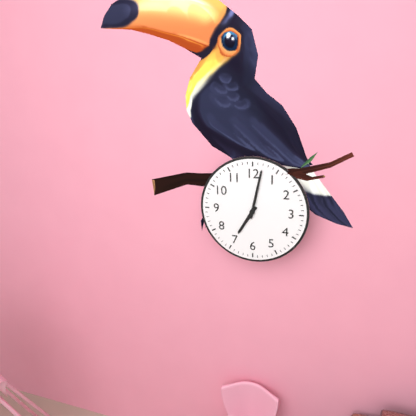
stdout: 7:02
